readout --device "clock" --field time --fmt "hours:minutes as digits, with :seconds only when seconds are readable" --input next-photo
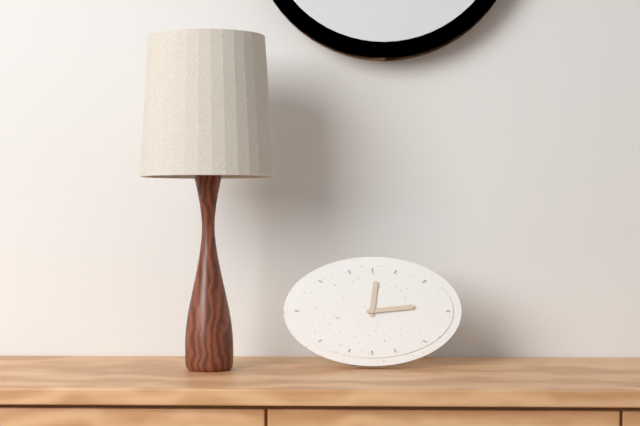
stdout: 12:14
